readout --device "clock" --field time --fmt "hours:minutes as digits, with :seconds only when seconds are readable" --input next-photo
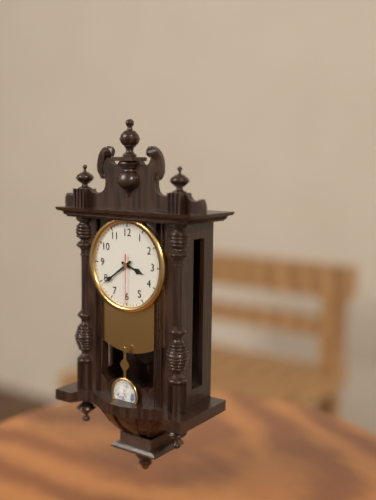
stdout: 3:39:30
